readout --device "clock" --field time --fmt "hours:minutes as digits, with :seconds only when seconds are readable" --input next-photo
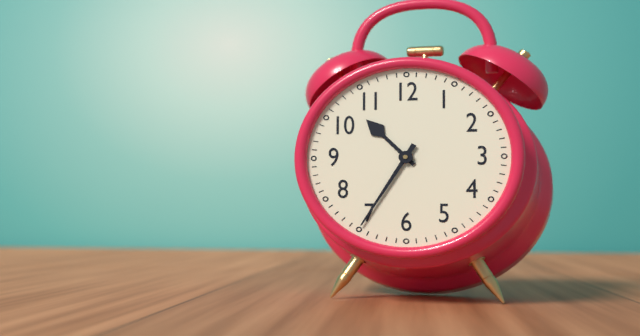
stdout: 10:35
